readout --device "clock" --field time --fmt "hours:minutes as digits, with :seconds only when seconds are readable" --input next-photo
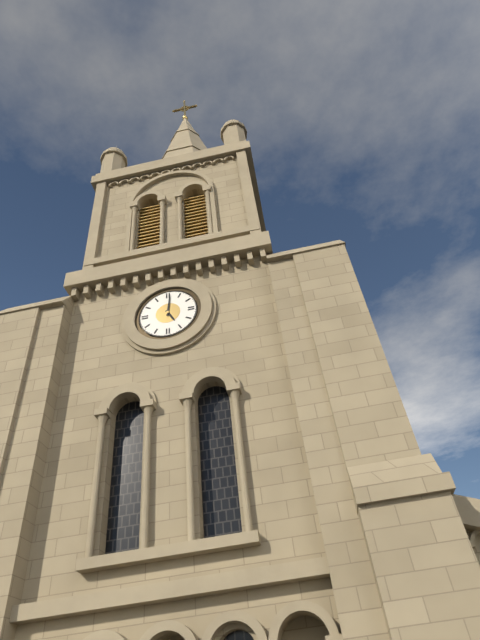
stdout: 5:01
